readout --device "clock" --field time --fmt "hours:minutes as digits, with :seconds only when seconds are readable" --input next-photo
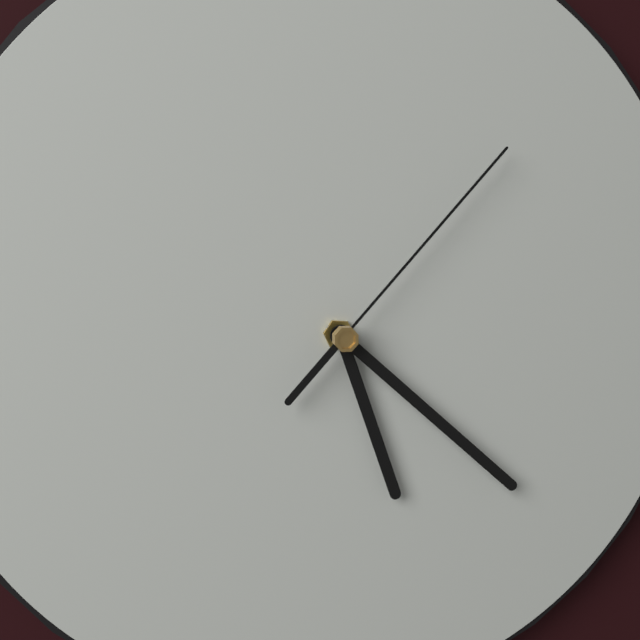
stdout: 5:22:07
